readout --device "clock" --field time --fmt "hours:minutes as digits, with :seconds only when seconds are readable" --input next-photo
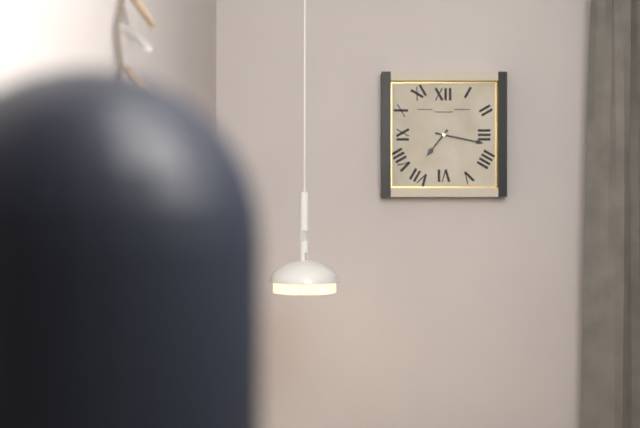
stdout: 7:17
